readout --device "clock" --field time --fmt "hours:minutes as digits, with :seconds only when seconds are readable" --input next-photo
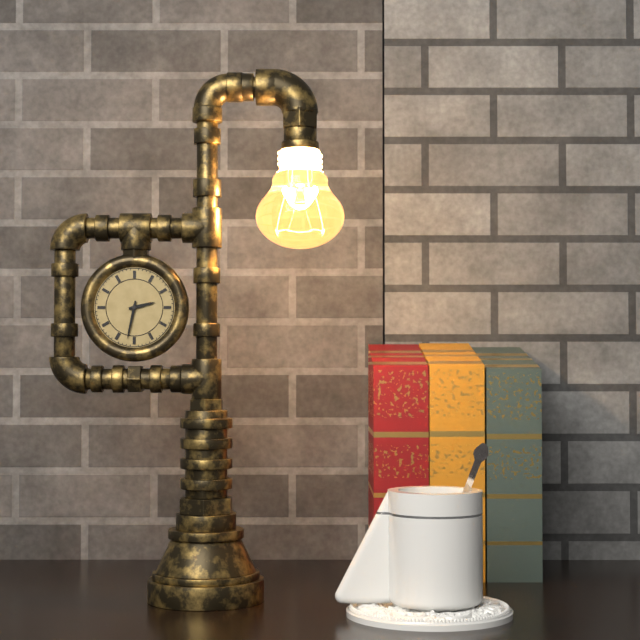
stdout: 2:32
